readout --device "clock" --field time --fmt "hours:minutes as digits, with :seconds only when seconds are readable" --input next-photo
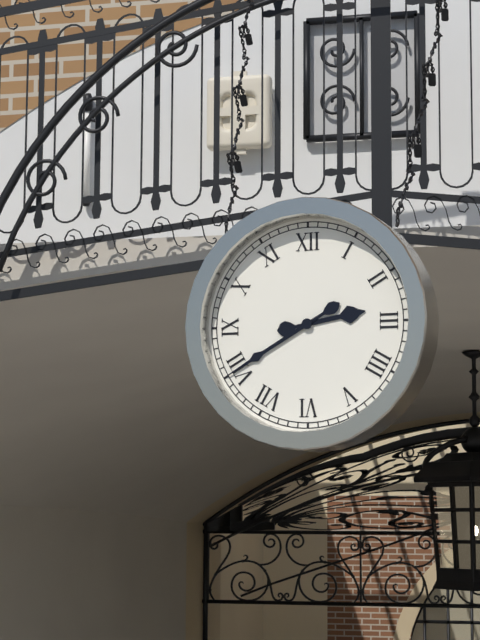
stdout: 2:40
